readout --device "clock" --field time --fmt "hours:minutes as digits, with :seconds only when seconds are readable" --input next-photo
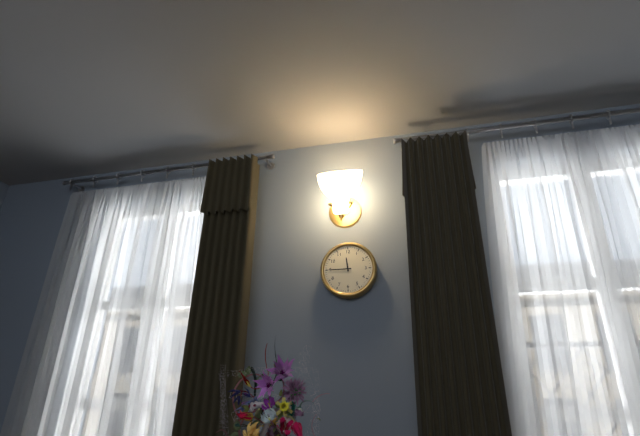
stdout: 11:45
